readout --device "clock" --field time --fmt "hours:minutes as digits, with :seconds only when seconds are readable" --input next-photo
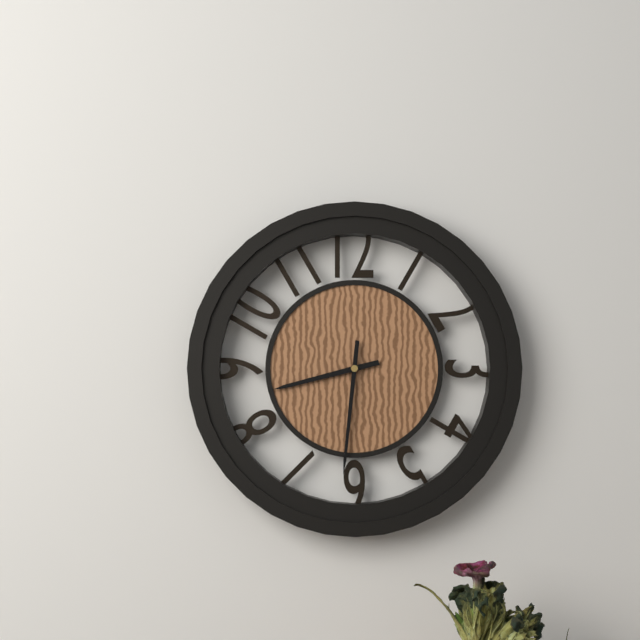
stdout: 8:31
